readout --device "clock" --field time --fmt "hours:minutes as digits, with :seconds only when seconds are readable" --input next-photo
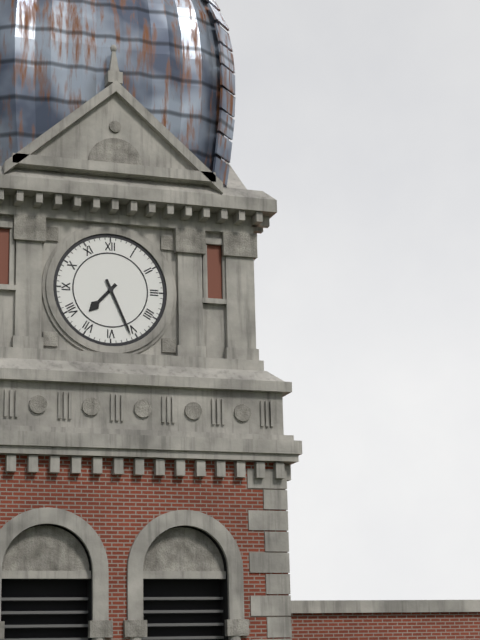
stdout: 7:26
